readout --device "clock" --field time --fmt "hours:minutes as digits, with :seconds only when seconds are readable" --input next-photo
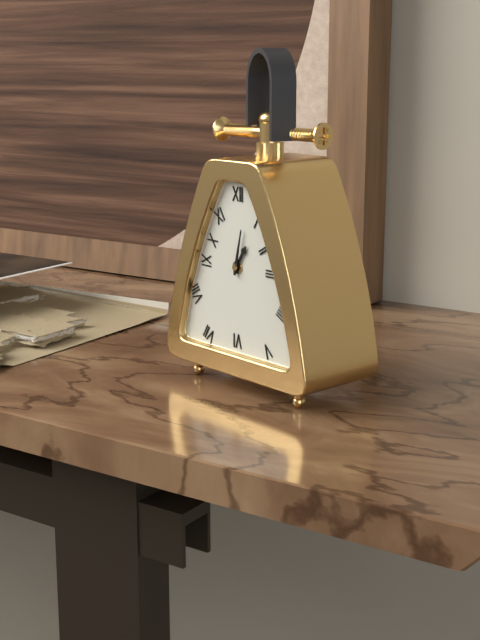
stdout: 1:02
